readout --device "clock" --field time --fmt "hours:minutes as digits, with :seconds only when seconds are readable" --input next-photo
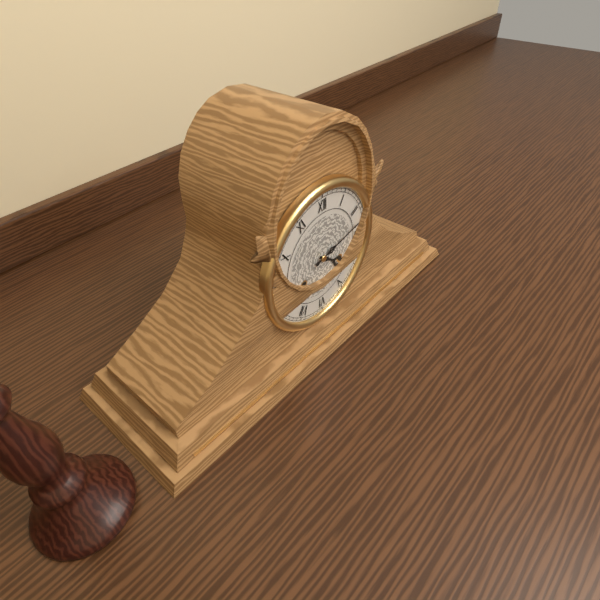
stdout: 4:13
